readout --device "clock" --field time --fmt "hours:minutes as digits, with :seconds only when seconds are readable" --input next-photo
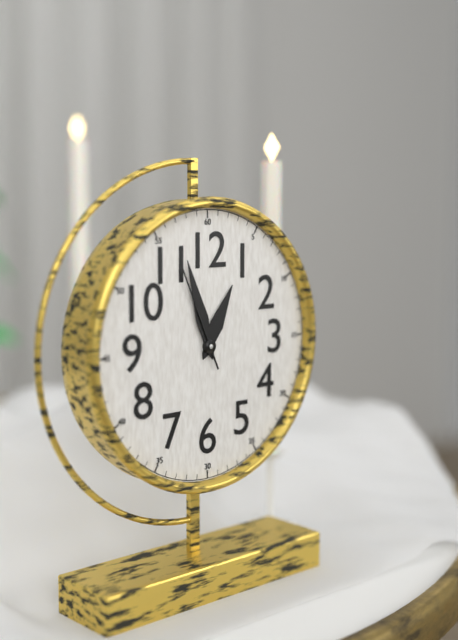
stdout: 12:57:56
